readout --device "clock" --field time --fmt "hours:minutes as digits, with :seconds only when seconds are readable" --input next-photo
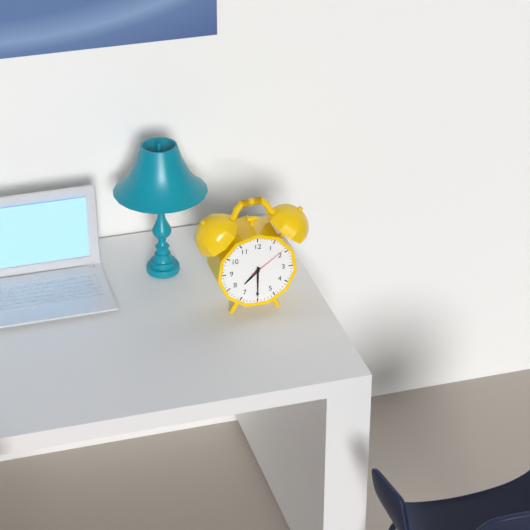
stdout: 7:30
